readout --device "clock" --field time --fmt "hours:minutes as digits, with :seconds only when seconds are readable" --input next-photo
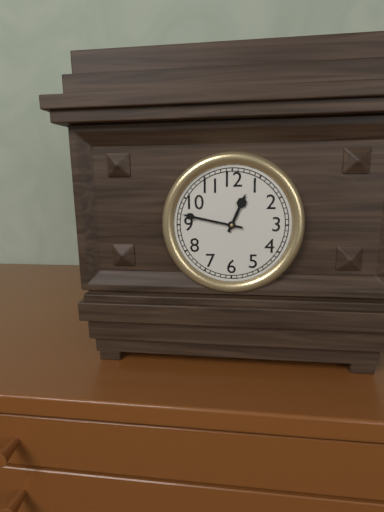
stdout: 12:47
